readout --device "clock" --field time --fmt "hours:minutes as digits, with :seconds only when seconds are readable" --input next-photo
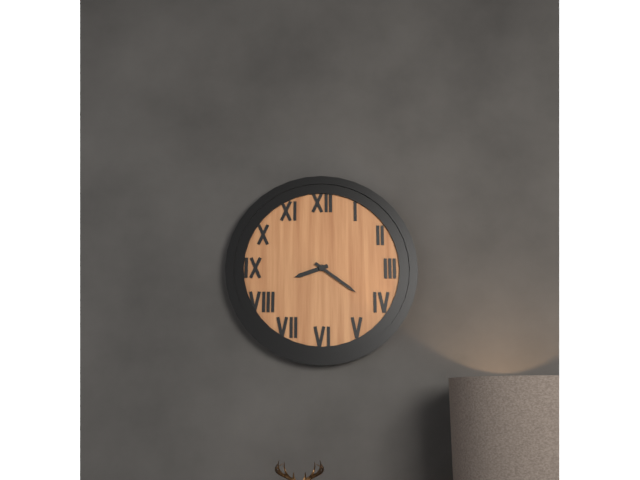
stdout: 8:21
